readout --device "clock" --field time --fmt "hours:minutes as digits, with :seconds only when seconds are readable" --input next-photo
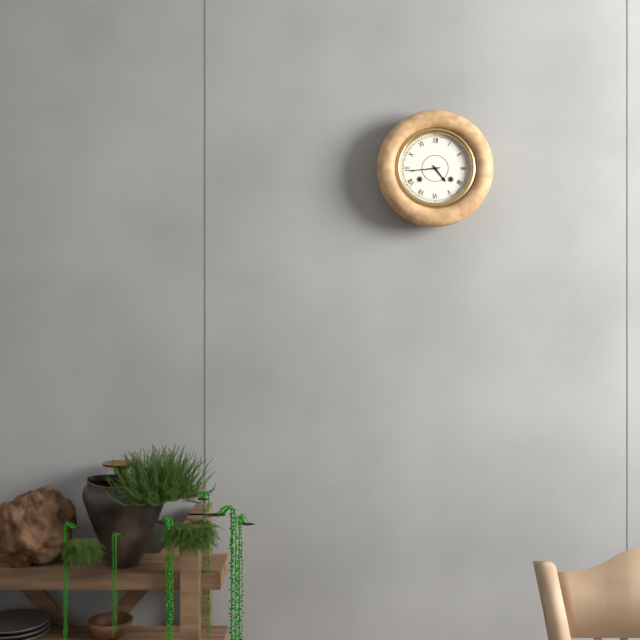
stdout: 4:44
